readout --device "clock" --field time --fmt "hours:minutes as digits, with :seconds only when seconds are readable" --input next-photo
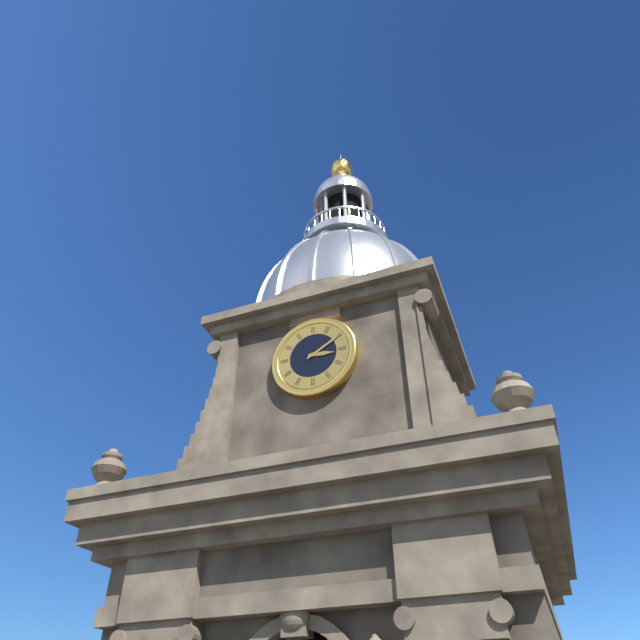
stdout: 3:10
